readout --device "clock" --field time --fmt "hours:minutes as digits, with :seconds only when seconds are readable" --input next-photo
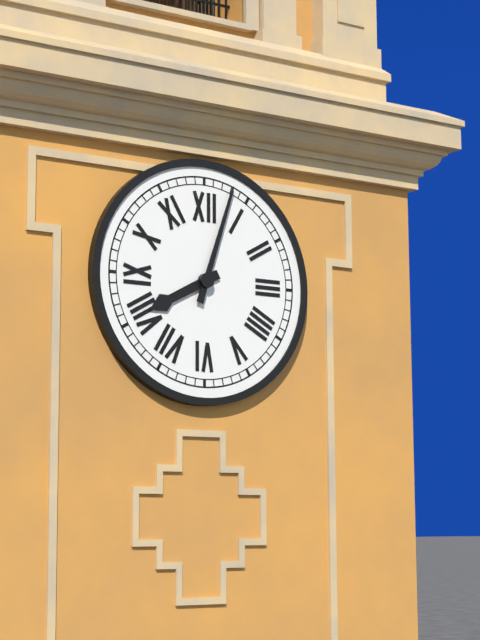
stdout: 8:03
